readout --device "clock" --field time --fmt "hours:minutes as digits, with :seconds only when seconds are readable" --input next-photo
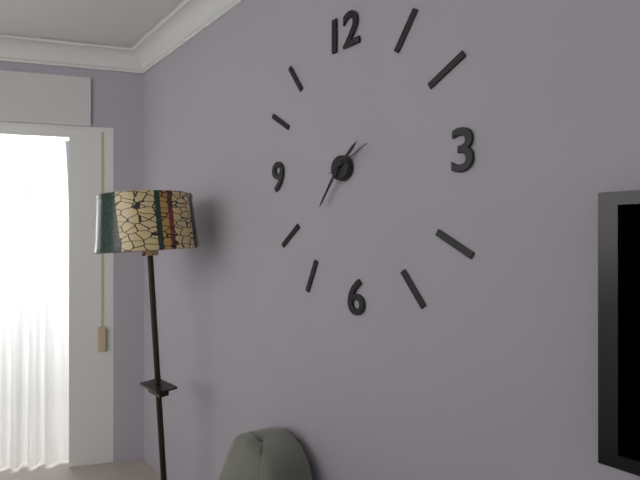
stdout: 1:36
